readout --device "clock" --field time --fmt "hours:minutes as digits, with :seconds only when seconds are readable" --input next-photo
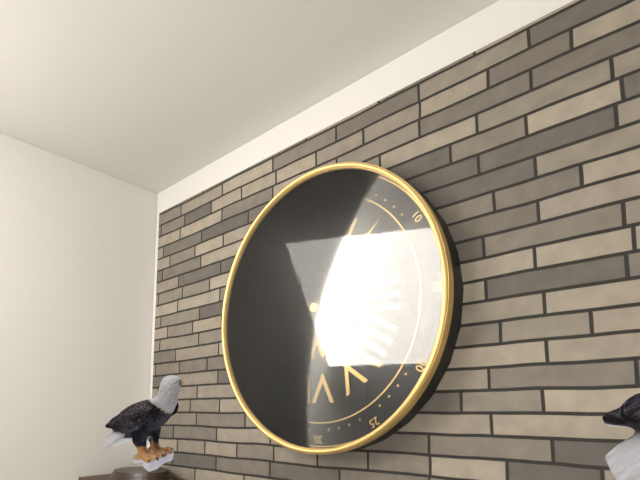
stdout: 1:08
